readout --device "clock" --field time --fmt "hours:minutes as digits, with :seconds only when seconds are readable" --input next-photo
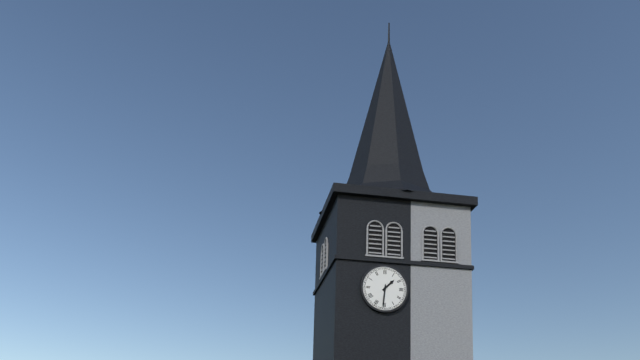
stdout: 1:31
